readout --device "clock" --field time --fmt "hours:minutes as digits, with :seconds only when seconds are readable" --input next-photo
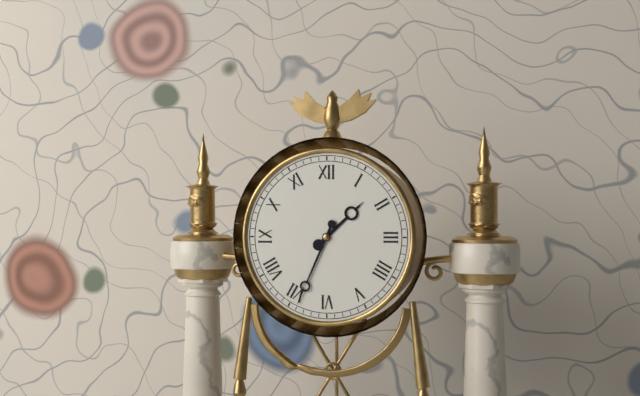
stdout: 1:34
